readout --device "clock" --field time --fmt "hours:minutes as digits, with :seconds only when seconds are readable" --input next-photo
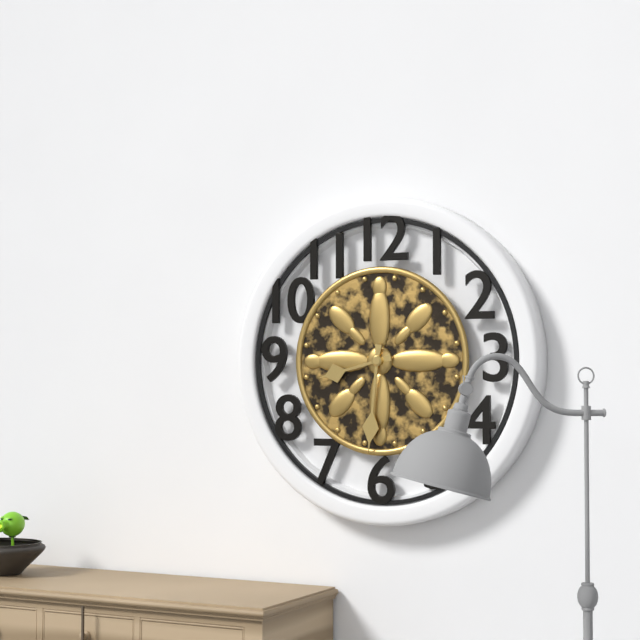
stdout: 8:31
